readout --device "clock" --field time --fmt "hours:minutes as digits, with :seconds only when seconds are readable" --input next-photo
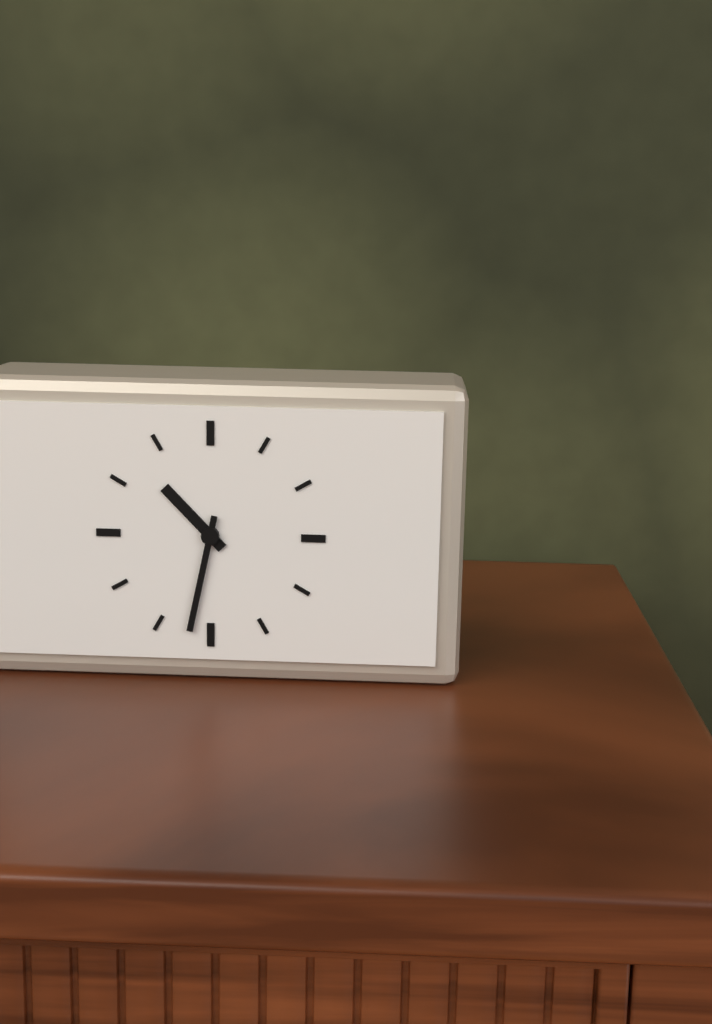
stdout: 10:32
